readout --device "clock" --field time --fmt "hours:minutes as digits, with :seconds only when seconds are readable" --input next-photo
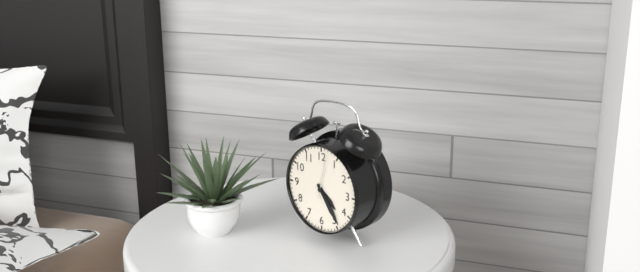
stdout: 4:24
